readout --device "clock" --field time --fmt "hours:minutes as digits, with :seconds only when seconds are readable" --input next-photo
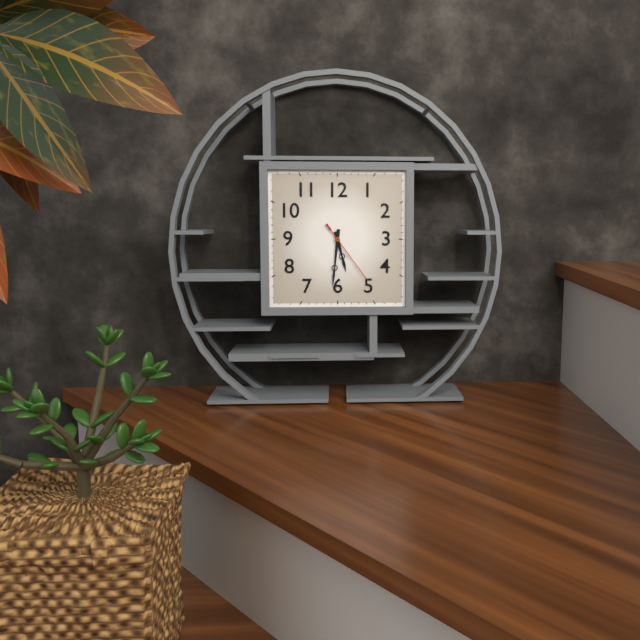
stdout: 5:31:24
